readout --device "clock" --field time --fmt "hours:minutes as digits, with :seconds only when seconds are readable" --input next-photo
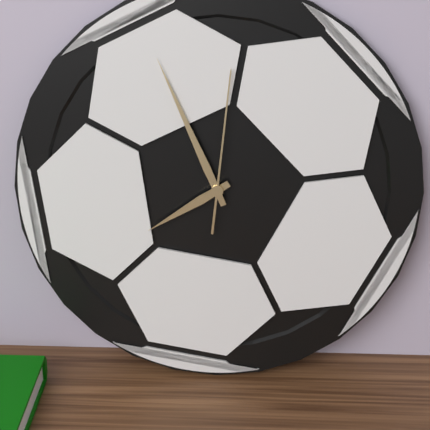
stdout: 7:56:01
